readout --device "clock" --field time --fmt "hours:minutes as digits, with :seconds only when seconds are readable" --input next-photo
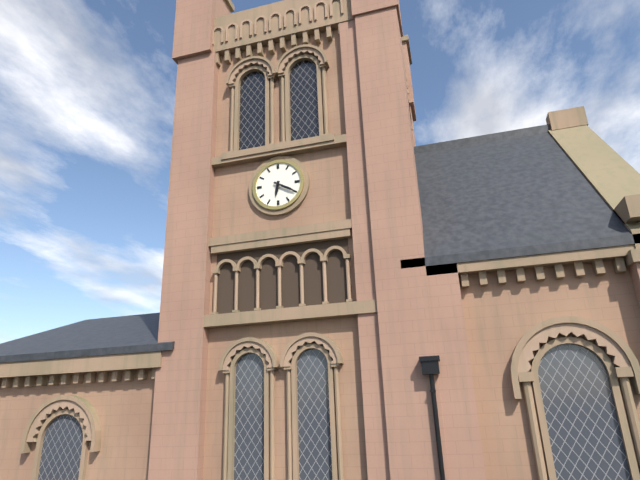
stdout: 6:20
